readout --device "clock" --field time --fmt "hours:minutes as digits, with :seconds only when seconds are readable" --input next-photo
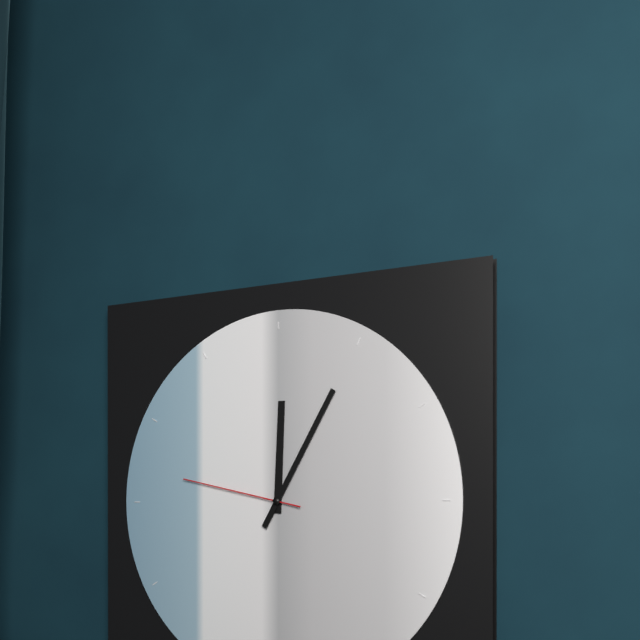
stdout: 12:05:47
